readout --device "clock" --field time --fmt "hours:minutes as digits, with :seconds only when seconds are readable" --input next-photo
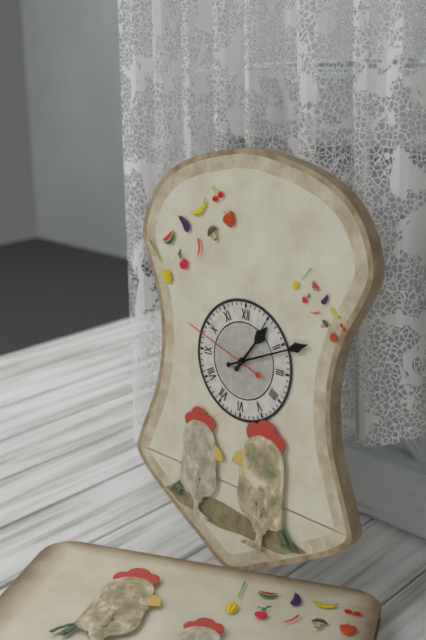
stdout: 1:11:48
